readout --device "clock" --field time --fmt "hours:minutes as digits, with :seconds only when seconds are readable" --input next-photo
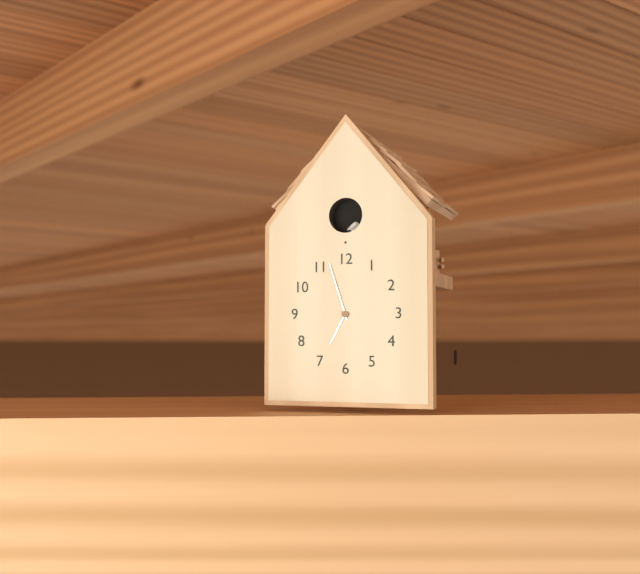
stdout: 6:57
